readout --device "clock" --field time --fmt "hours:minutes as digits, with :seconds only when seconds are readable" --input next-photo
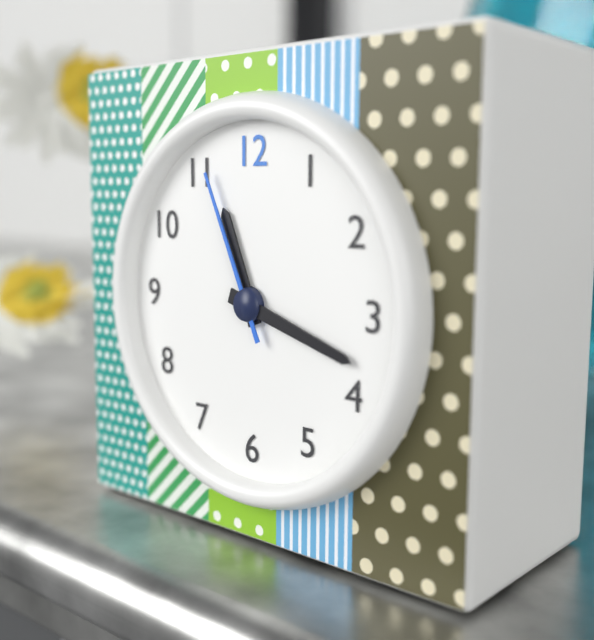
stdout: 11:18:56
